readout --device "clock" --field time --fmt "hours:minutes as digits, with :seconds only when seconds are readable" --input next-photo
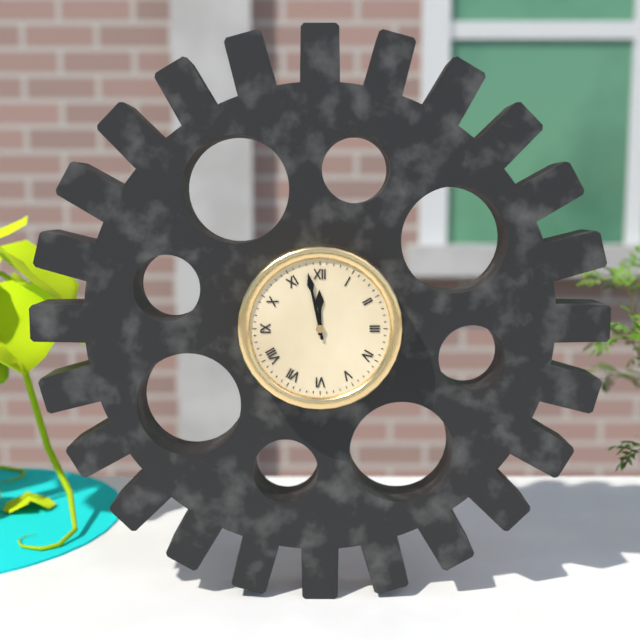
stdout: 11:58
